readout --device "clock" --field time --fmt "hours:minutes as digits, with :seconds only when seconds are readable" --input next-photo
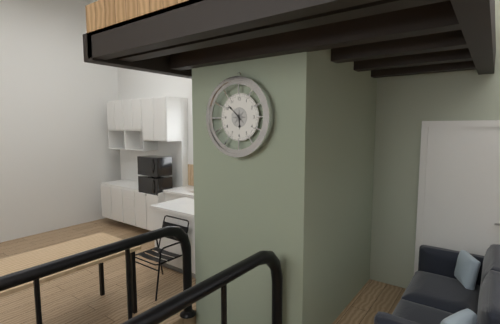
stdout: 5:52
